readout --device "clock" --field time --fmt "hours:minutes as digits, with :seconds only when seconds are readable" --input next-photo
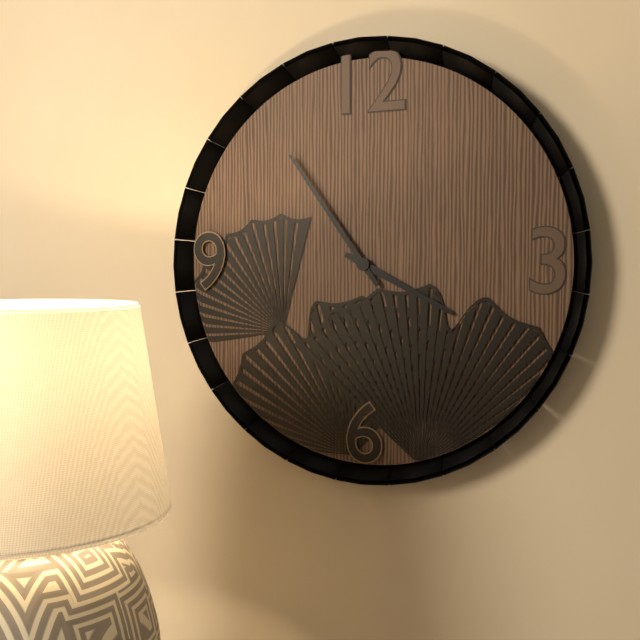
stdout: 3:54
